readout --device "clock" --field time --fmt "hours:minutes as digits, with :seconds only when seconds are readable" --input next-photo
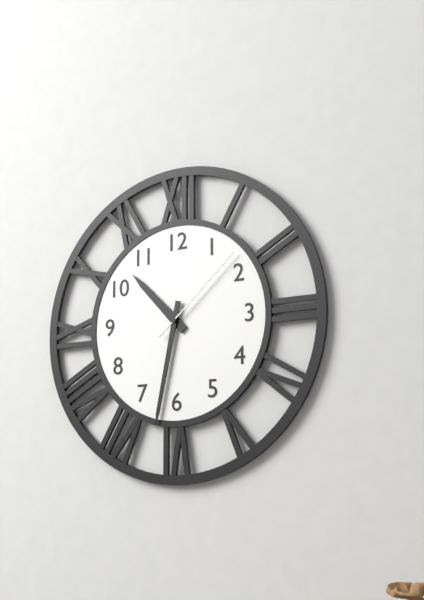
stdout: 10:32:08
